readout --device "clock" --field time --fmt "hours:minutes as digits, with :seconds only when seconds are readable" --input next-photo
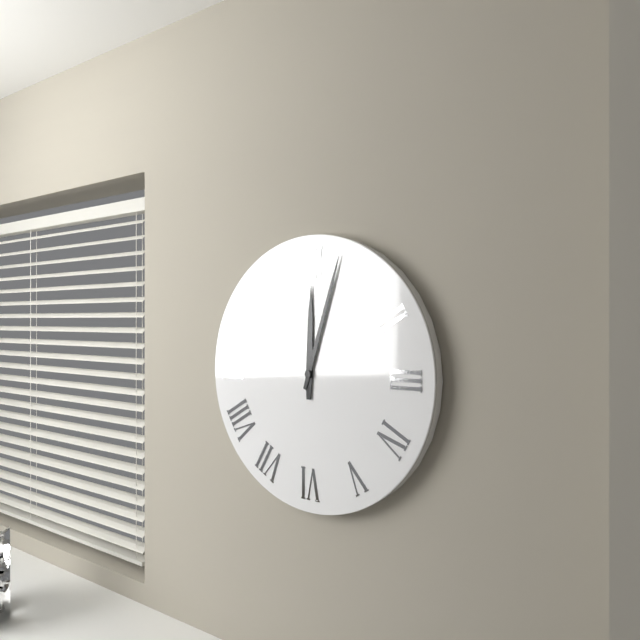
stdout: 12:03
